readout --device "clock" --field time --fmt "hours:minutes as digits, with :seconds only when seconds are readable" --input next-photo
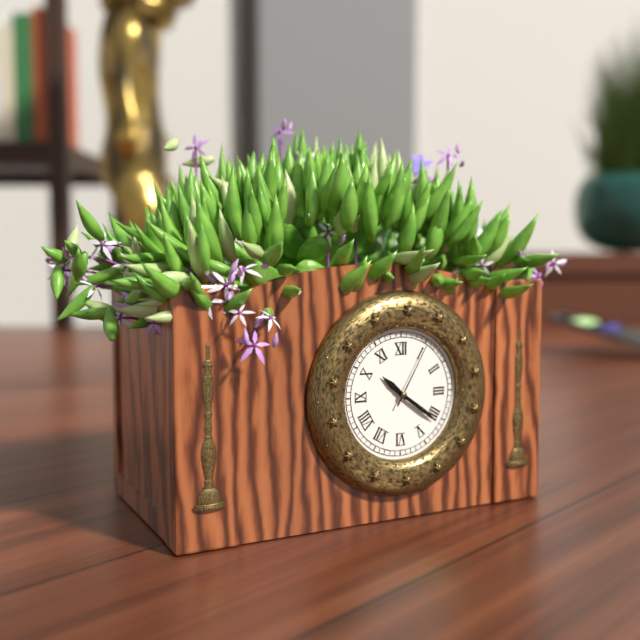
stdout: 10:21:05
